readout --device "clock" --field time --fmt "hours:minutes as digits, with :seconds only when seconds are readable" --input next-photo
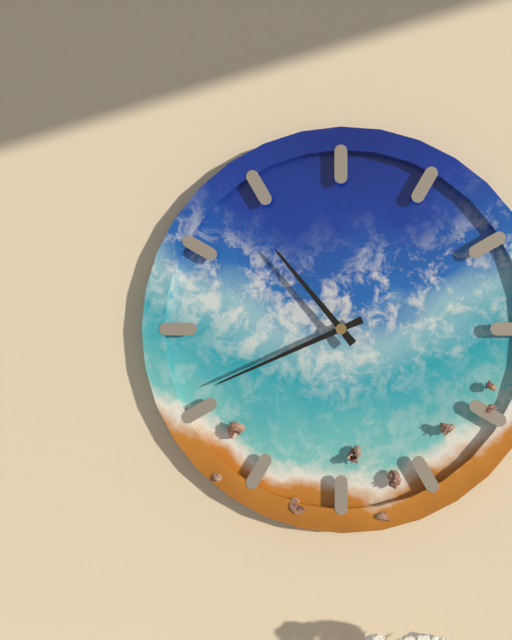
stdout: 10:41
